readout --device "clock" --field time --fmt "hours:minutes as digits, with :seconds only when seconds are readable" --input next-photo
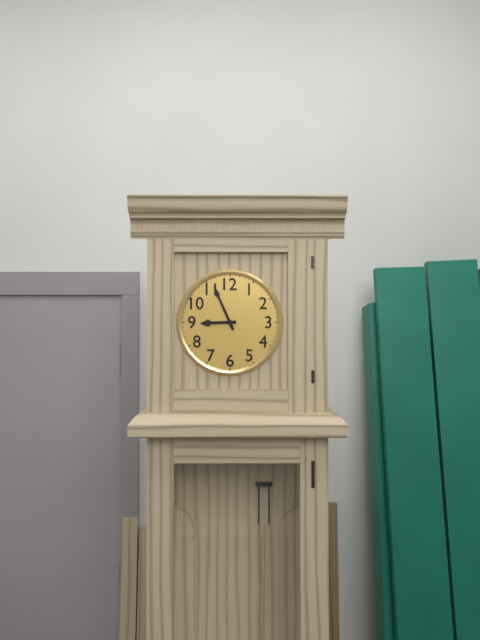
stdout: 8:56
